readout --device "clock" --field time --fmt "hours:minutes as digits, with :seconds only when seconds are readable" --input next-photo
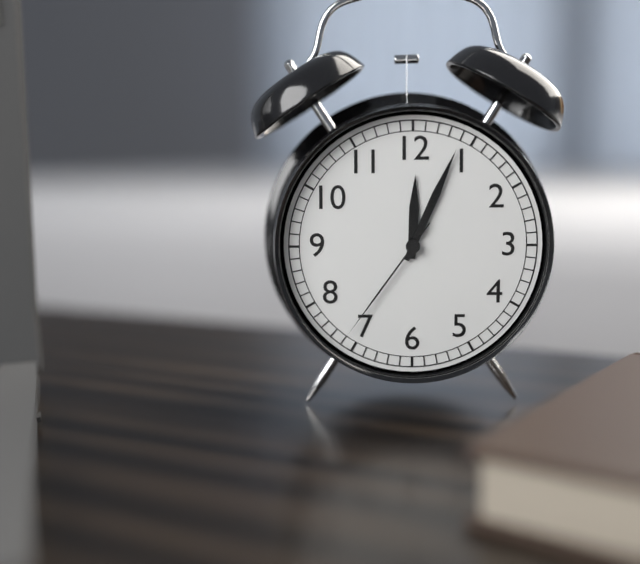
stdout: 12:04:36
